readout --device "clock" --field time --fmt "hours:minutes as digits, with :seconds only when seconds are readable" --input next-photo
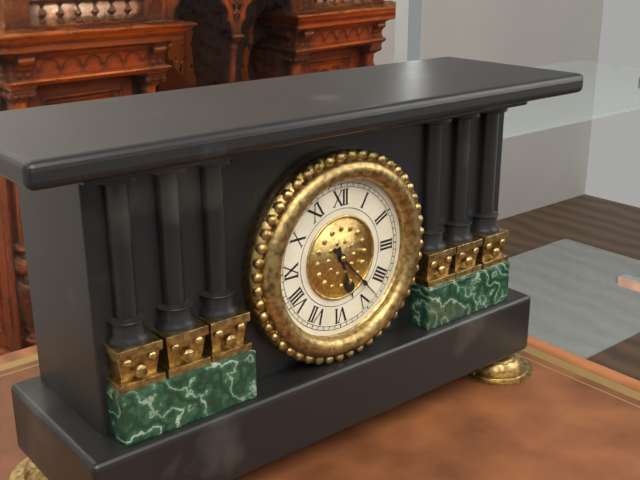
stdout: 5:23
